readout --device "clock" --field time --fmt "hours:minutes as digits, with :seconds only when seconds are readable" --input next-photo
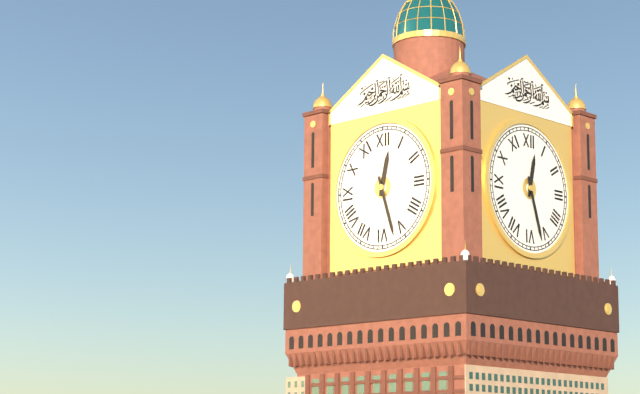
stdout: 12:27
